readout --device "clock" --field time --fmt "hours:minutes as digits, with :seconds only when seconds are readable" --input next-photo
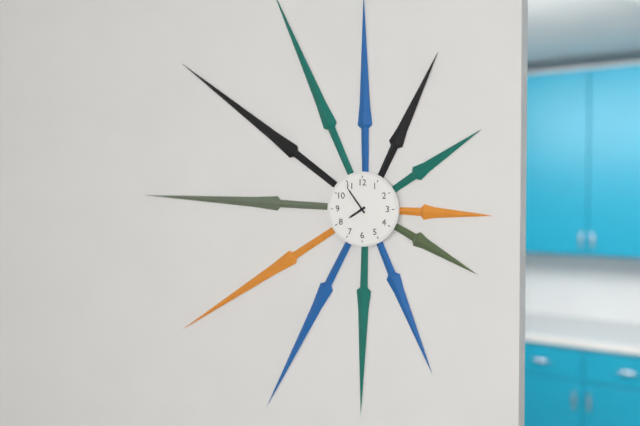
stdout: 7:54
